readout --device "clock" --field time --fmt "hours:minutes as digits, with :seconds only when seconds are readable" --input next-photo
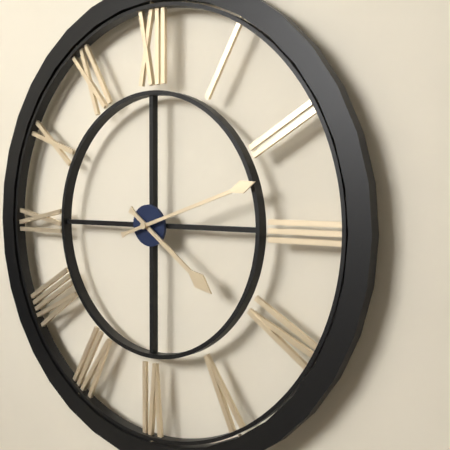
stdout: 4:12
